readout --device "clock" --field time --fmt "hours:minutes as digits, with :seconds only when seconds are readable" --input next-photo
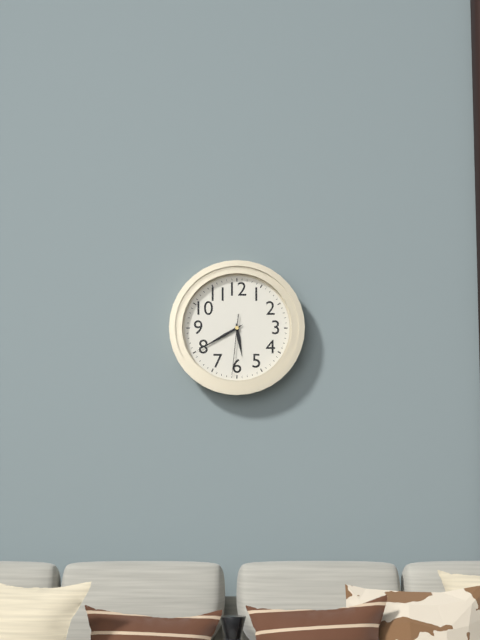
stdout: 5:40:31
